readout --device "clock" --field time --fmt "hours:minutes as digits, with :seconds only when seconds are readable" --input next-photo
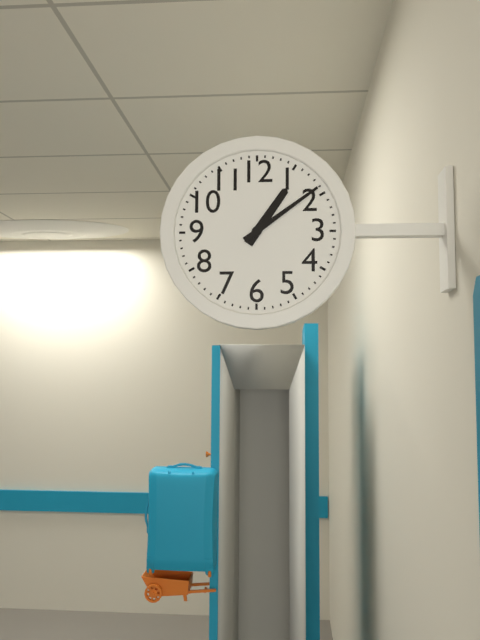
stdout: 1:09
